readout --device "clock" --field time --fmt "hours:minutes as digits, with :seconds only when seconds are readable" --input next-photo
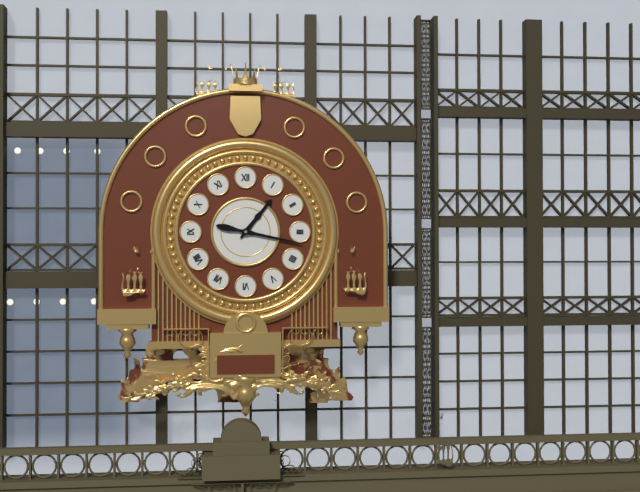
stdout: 1:17
